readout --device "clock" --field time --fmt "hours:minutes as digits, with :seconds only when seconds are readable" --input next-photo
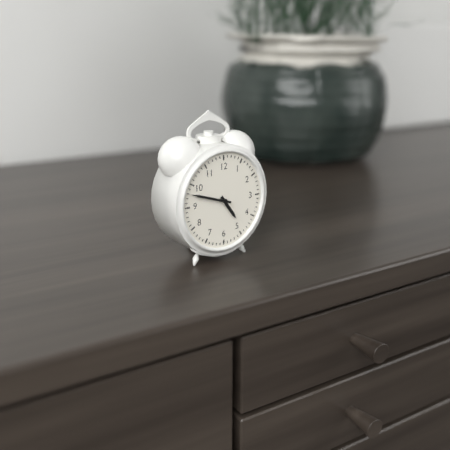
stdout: 4:48
